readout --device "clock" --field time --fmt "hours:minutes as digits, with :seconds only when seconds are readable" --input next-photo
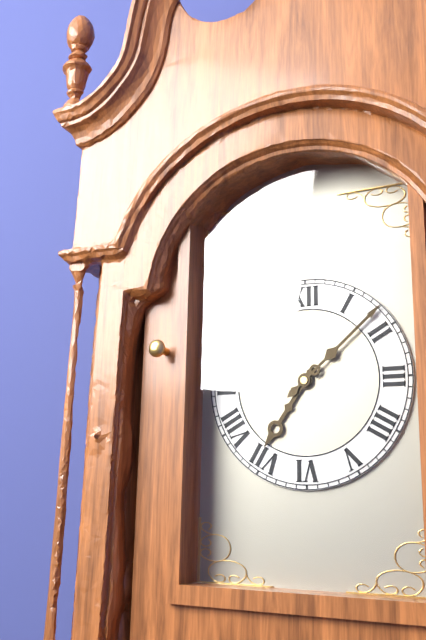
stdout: 7:08
